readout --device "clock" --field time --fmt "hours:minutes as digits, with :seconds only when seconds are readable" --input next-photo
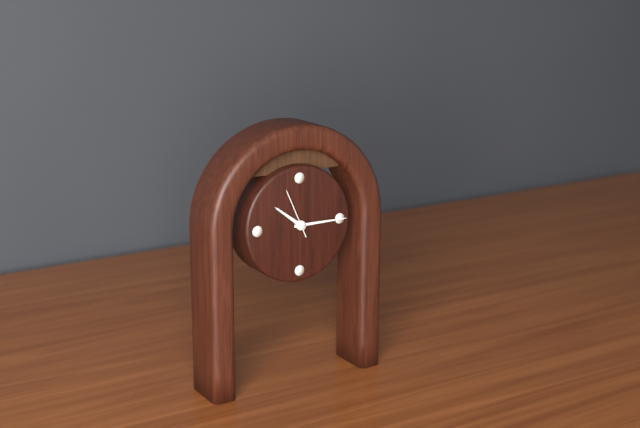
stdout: 10:15
